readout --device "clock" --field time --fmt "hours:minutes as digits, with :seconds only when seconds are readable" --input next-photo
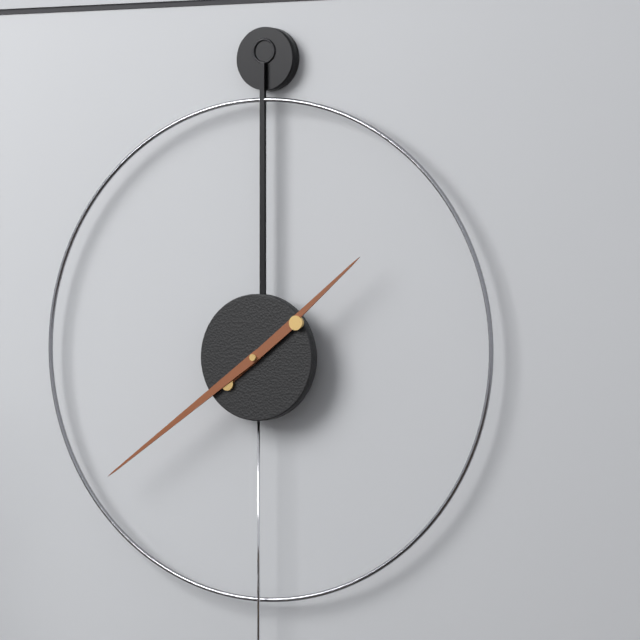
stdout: 1:39
